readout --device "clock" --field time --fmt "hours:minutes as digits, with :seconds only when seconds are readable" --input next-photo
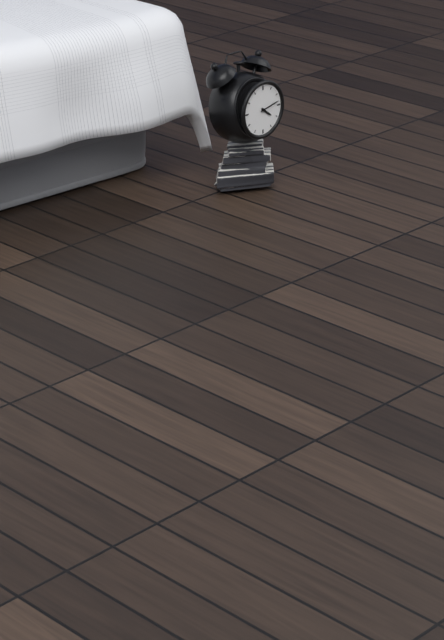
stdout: 4:13
